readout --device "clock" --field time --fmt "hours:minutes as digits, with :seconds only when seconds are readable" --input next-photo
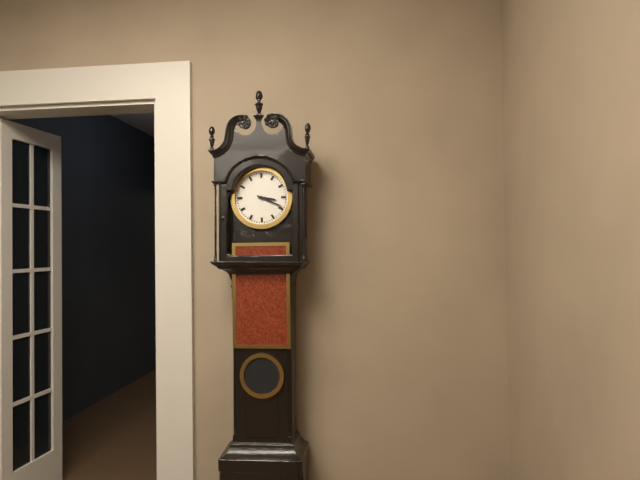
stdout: 3:19
